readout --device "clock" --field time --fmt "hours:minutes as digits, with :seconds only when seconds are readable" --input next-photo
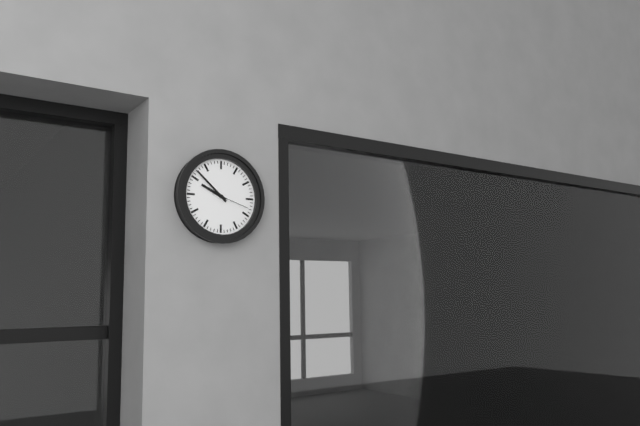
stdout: 9:52
